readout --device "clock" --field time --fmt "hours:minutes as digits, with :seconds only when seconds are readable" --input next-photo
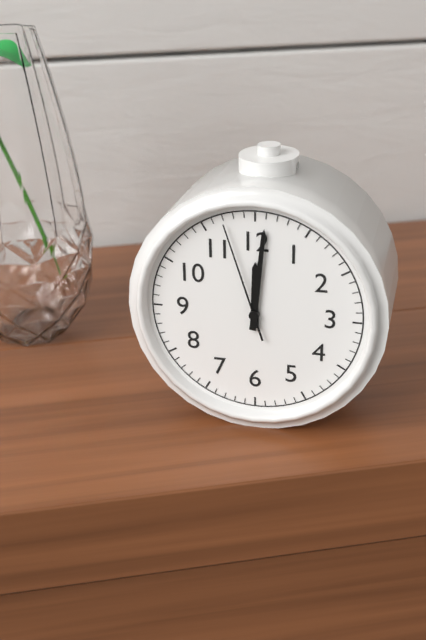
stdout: 12:01:57
